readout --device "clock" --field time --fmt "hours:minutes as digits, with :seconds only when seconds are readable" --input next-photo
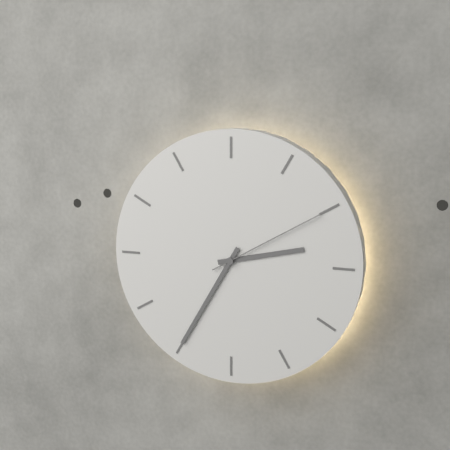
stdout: 2:35:10
